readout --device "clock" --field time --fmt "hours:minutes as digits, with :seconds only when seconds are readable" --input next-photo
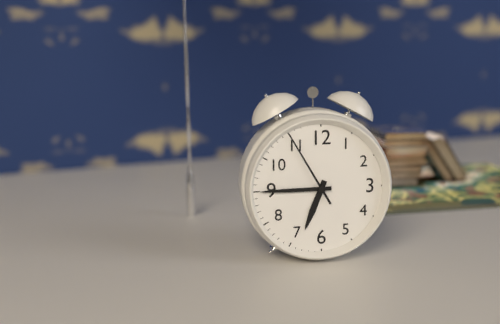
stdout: 6:45:55
